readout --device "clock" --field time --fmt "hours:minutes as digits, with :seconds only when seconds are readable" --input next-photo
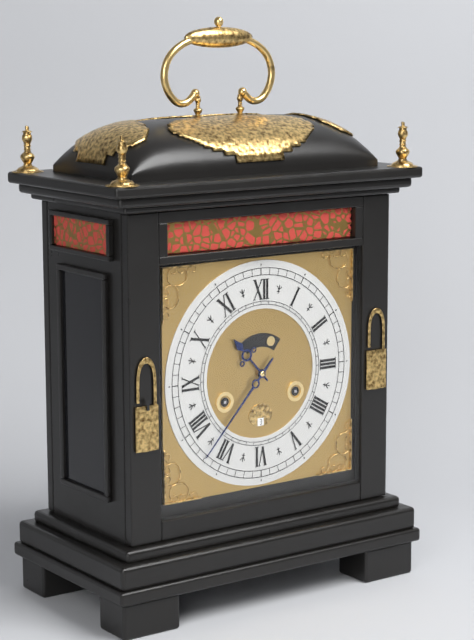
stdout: 10:37
